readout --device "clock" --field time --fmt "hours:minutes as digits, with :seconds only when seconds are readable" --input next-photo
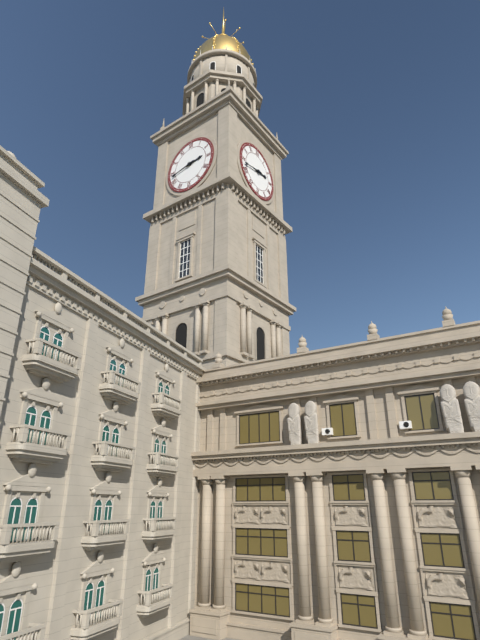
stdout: 2:43
